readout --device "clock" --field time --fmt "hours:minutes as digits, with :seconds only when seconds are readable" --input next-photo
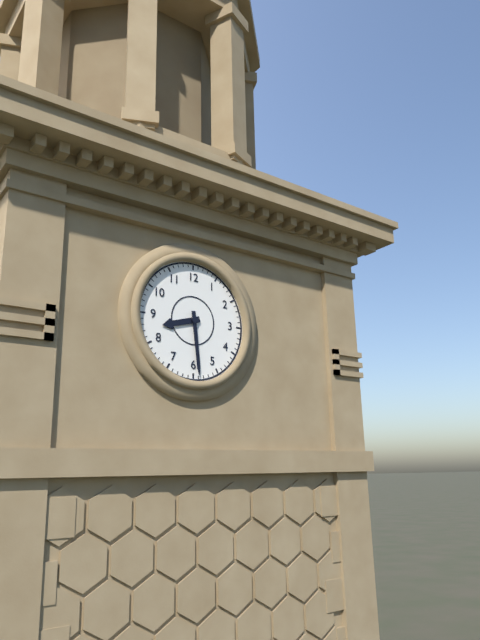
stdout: 8:29
